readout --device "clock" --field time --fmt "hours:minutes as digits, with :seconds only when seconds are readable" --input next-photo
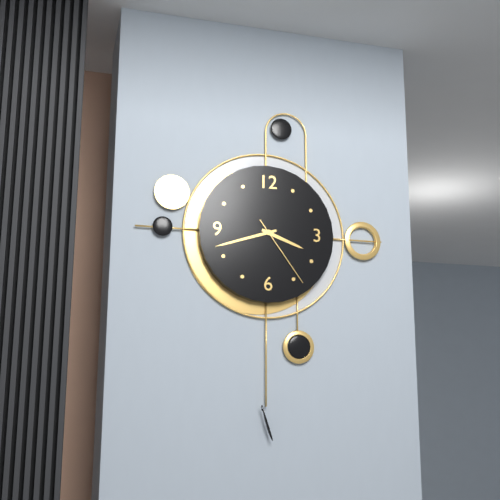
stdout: 3:42:24
